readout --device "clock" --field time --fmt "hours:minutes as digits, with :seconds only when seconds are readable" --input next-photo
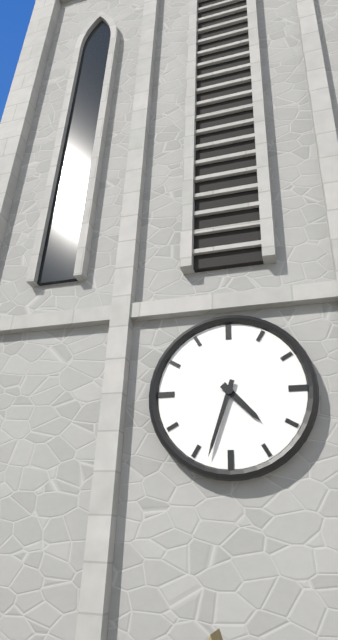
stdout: 4:33
